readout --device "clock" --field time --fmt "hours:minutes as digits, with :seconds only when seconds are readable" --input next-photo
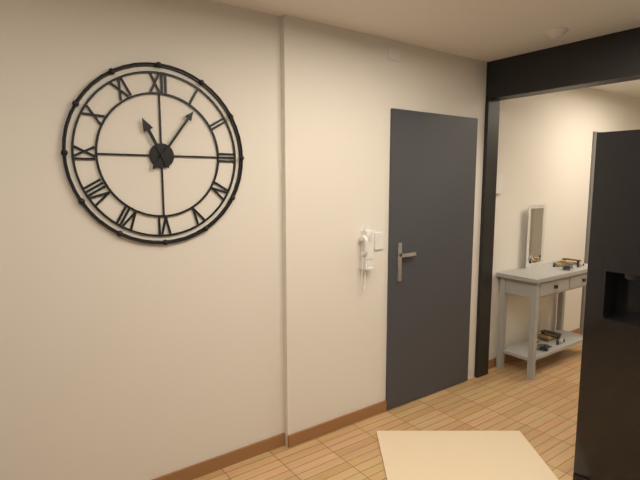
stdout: 11:06
